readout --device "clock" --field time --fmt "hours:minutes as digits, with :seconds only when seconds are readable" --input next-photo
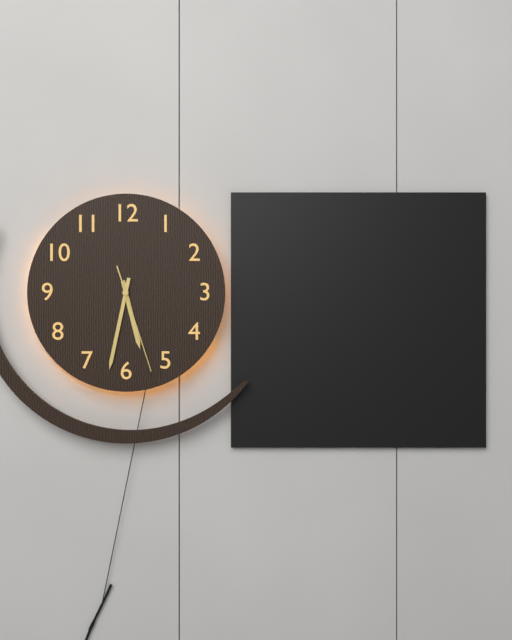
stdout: 5:32:27
